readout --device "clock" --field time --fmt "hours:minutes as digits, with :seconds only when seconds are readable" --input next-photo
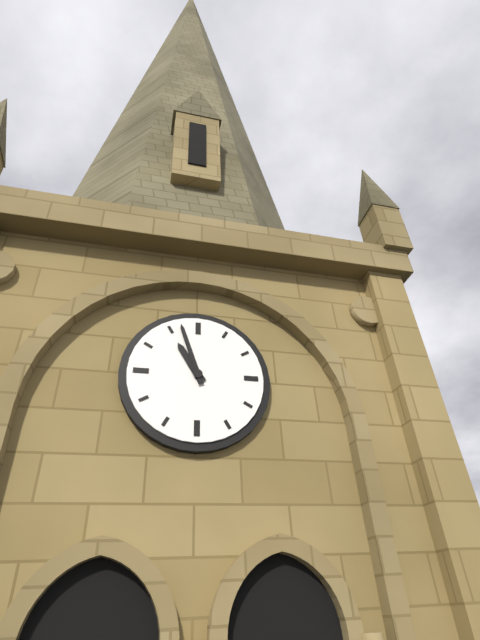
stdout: 10:57
